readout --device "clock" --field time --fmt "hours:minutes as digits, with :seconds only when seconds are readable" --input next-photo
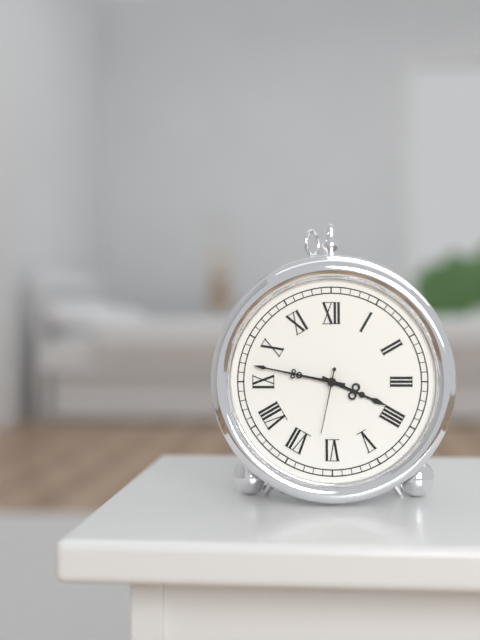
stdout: 3:47:32
